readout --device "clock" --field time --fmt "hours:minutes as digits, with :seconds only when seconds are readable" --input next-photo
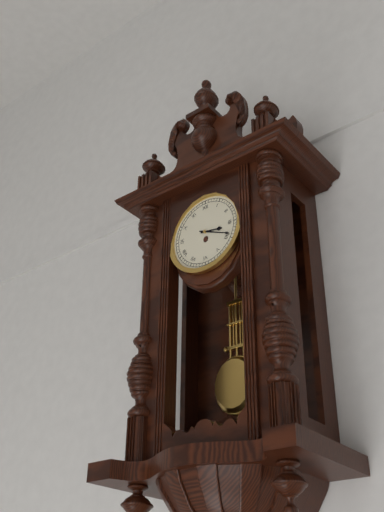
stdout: 3:19
